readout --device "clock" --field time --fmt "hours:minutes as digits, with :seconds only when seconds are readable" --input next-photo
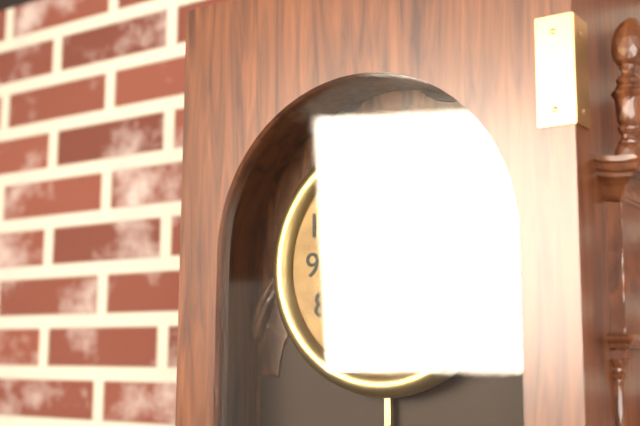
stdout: 8:16
